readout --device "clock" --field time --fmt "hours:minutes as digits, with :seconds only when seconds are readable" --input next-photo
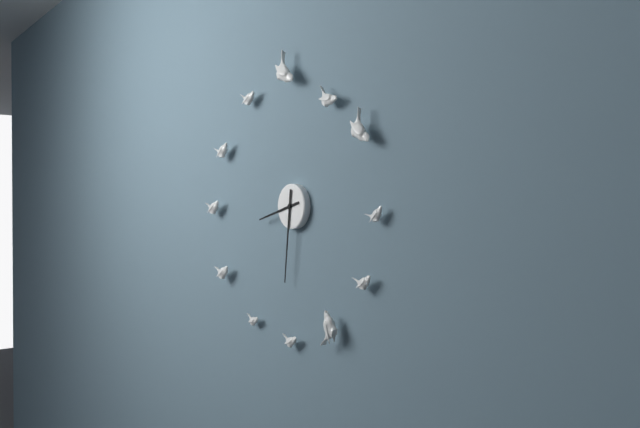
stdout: 8:31
